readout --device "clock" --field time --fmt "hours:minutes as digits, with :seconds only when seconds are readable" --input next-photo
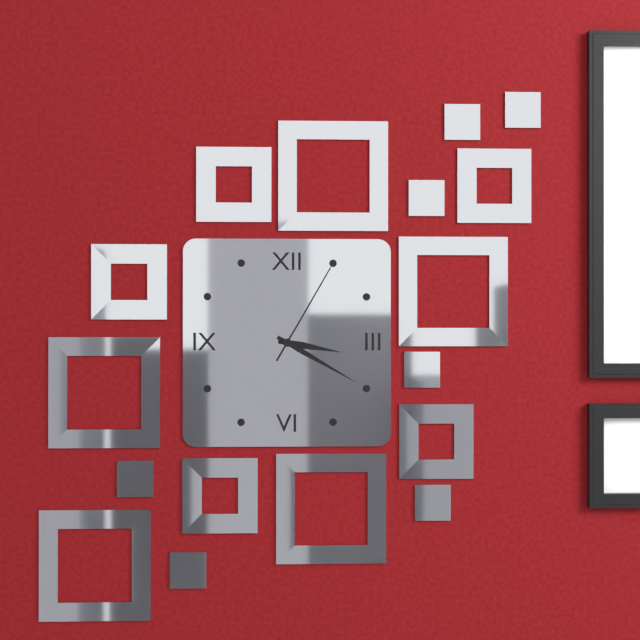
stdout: 3:20:05
